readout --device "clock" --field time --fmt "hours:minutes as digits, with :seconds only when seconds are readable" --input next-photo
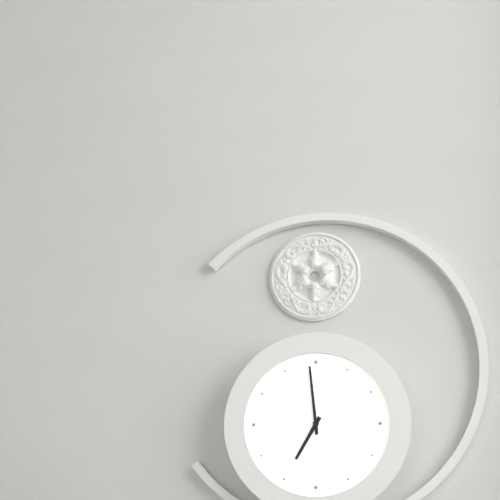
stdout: 6:59
